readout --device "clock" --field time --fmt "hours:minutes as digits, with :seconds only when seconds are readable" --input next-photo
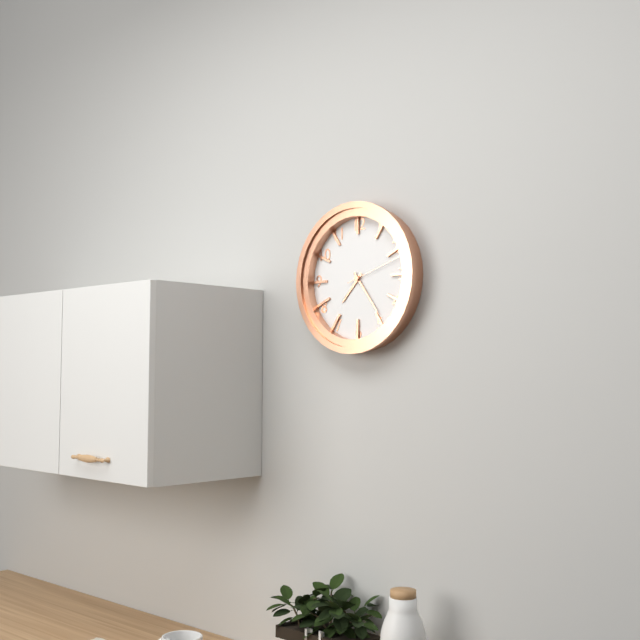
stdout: 7:24:12
